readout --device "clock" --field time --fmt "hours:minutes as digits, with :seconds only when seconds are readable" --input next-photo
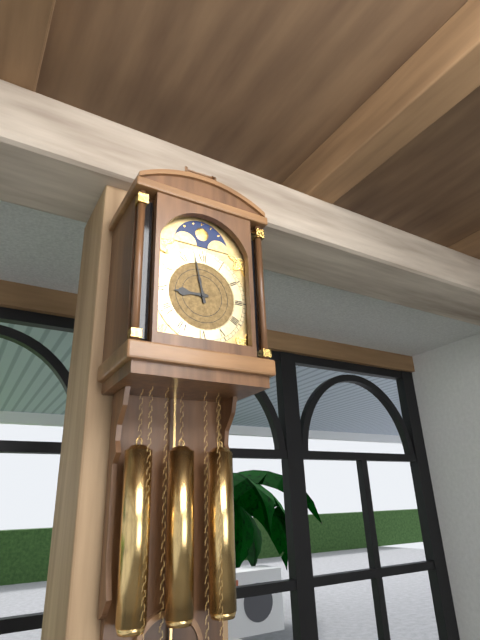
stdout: 8:58
